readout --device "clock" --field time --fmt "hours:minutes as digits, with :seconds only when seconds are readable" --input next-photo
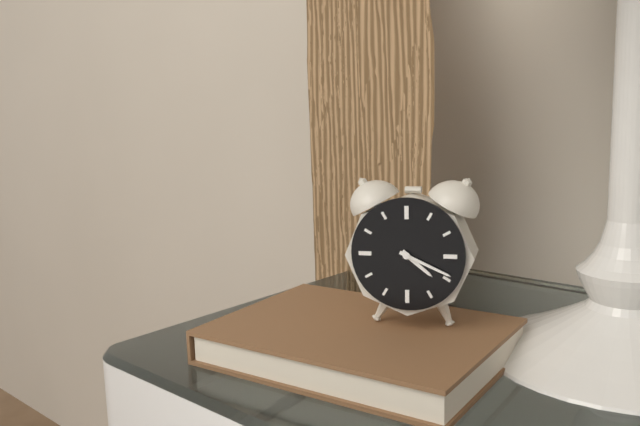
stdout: 4:19
